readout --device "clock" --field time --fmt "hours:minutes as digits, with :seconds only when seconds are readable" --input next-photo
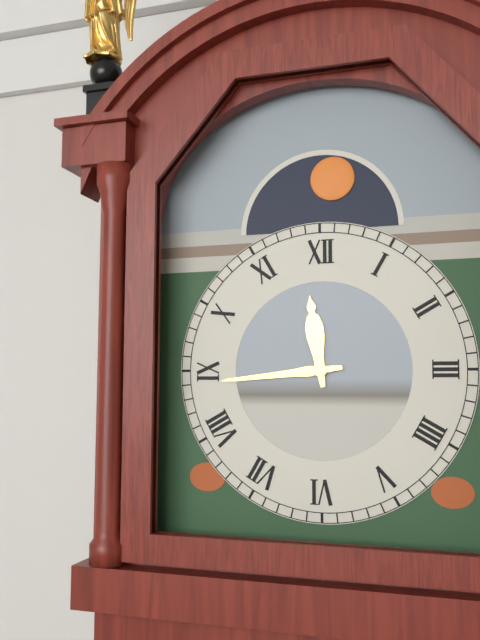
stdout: 11:44
